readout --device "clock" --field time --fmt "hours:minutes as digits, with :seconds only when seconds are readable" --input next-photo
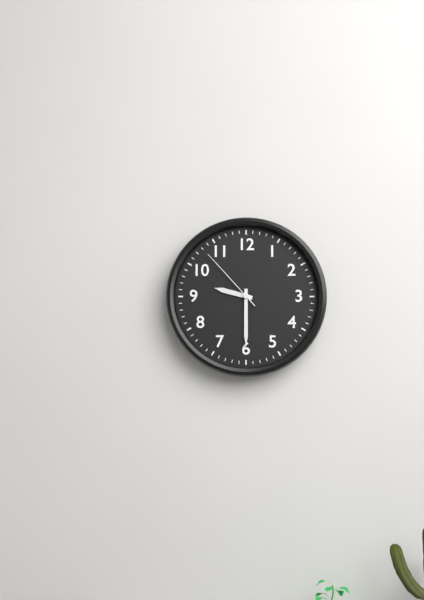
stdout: 9:30:53
